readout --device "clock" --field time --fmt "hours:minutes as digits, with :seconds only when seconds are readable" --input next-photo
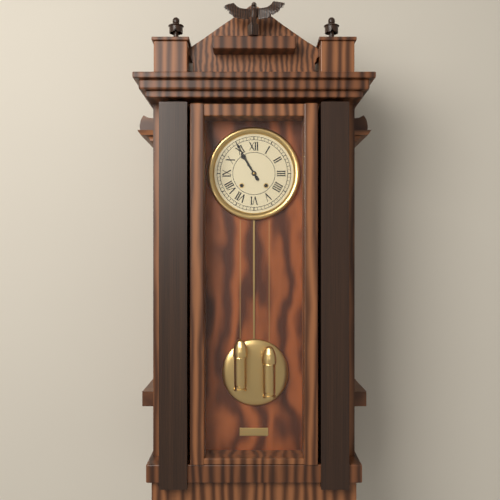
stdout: 10:55
